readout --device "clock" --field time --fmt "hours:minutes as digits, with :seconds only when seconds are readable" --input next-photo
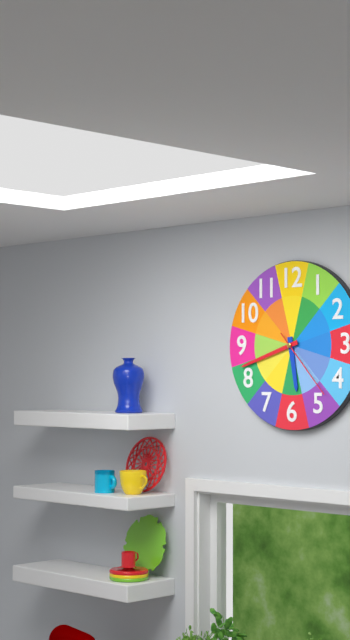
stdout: 5:42:23
